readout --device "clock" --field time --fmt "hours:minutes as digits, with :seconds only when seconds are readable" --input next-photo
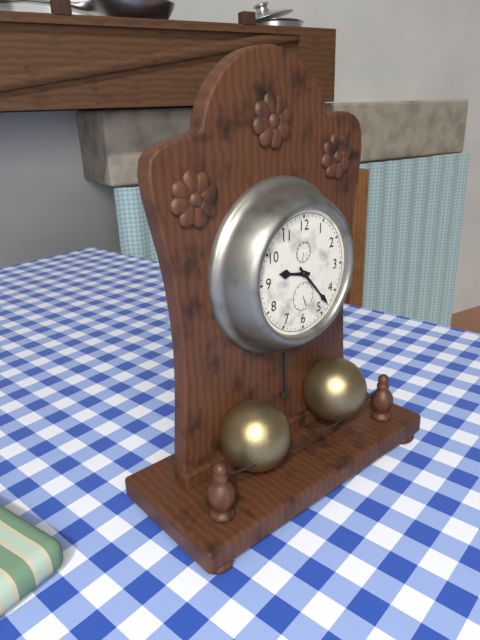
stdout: 9:23
